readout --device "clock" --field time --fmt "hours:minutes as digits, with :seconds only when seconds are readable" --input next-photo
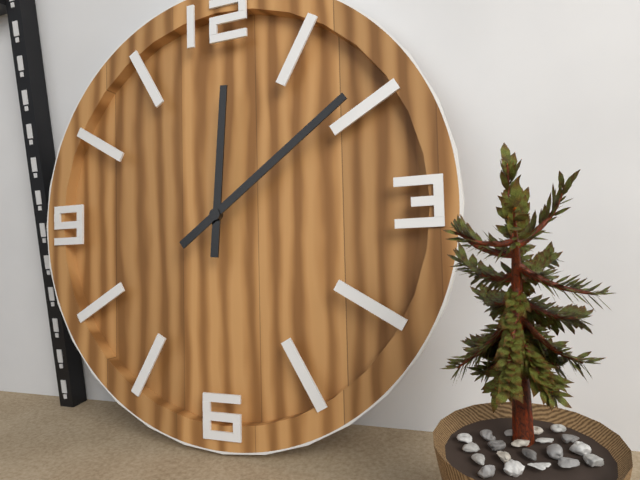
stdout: 12:09
